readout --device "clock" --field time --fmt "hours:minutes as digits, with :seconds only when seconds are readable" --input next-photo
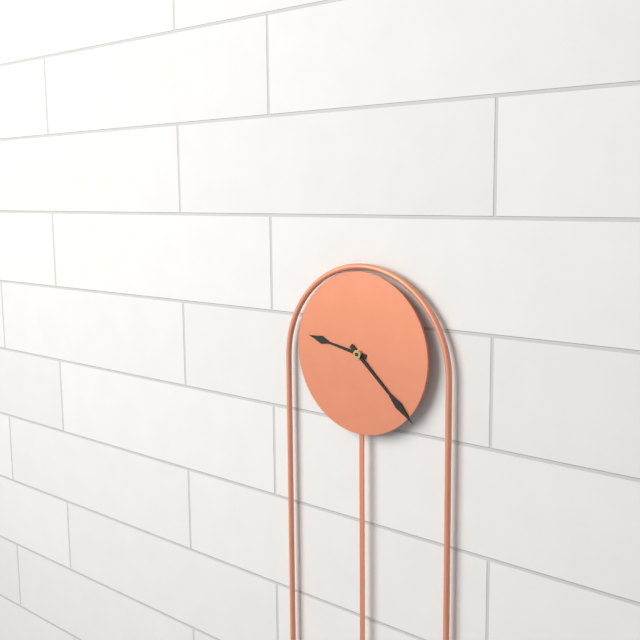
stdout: 9:22
